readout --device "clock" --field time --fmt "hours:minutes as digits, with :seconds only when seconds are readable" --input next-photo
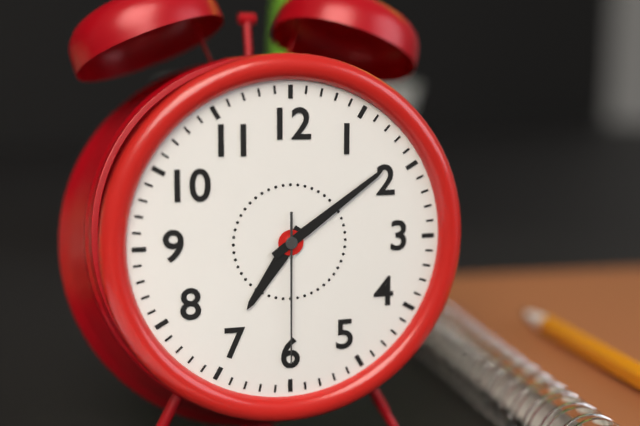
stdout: 7:09:30
